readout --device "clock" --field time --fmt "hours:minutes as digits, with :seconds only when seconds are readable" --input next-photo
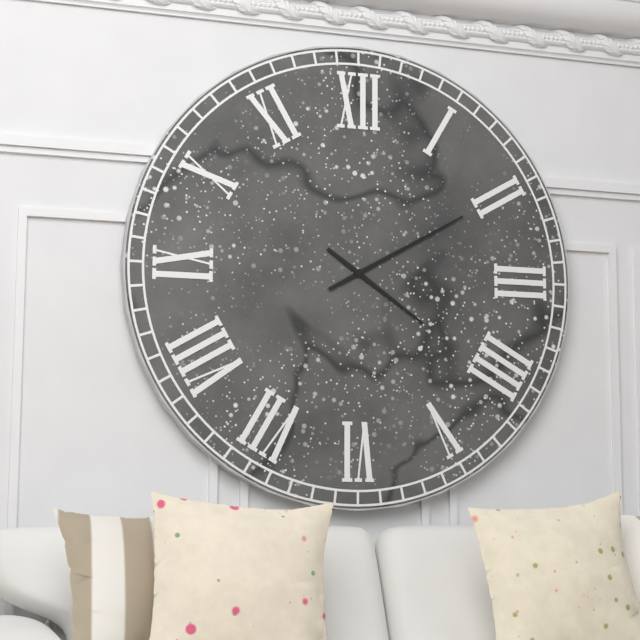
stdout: 4:10
